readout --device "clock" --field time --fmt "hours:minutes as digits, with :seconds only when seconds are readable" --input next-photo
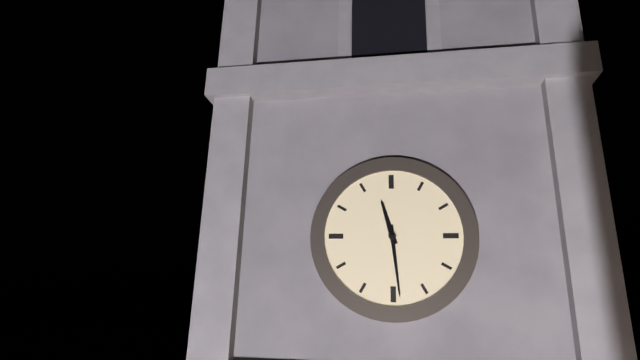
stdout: 11:29
